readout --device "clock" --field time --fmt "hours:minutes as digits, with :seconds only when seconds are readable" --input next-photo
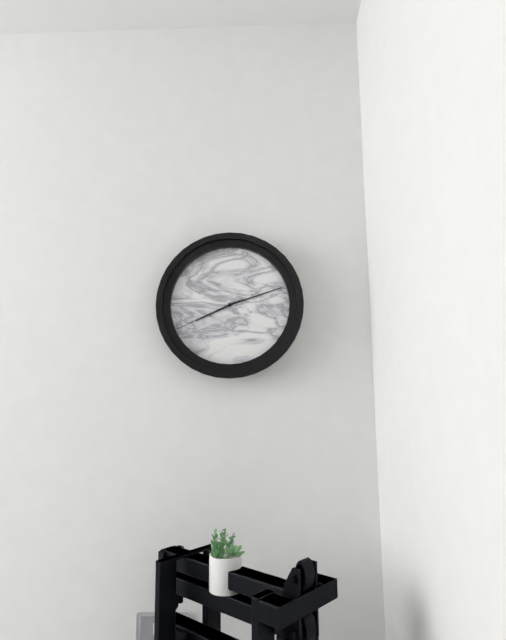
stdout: 8:12:41
